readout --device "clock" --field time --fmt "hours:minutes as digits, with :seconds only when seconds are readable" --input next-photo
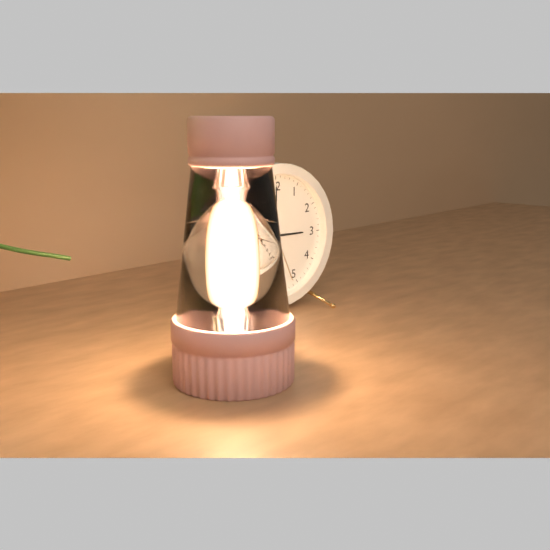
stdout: 3:00:26
